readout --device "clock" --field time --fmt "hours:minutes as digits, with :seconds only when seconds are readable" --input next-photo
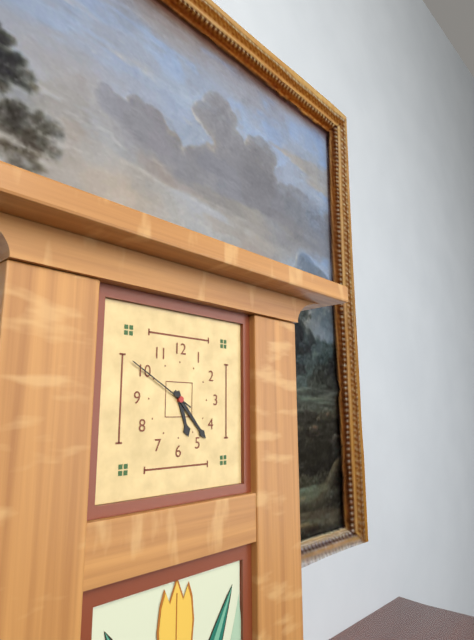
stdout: 5:23:50
